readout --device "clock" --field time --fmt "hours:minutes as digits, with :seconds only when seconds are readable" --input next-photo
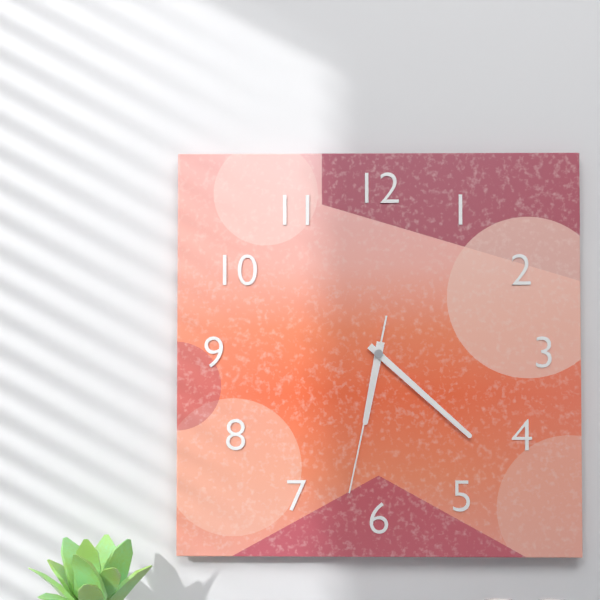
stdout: 6:22:32
